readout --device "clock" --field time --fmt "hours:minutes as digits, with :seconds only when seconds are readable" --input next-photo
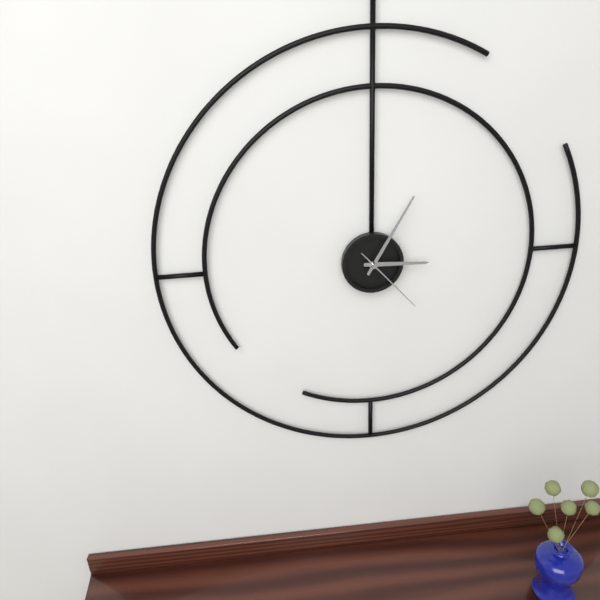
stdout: 3:05:23
